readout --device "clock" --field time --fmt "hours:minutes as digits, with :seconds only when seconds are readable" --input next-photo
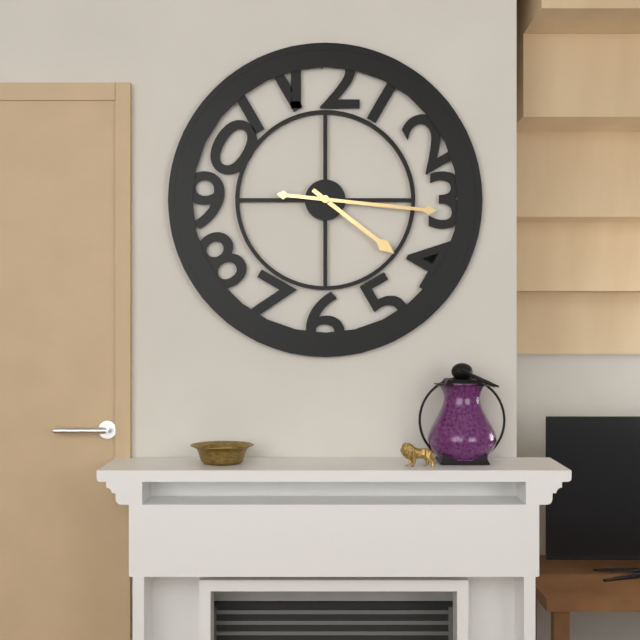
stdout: 4:16
